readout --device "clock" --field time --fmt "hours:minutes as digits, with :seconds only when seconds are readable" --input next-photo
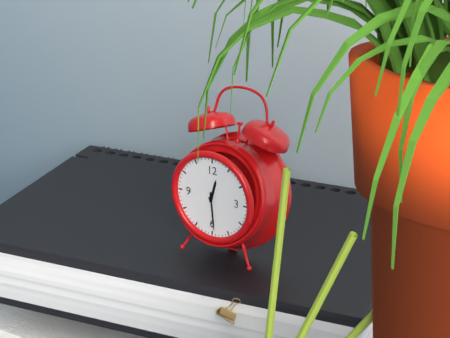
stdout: 12:29
